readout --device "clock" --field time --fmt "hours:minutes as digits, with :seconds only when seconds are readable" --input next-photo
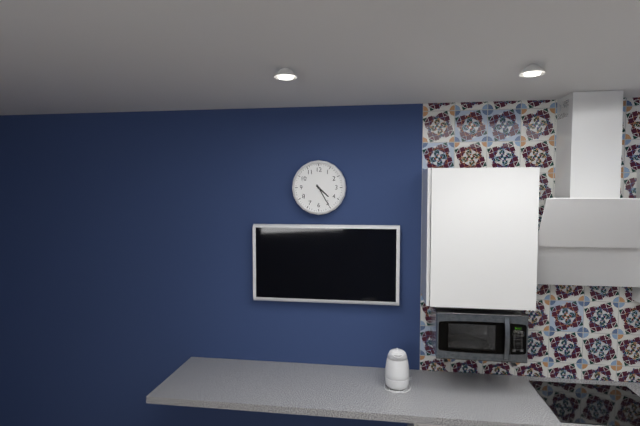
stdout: 4:25
